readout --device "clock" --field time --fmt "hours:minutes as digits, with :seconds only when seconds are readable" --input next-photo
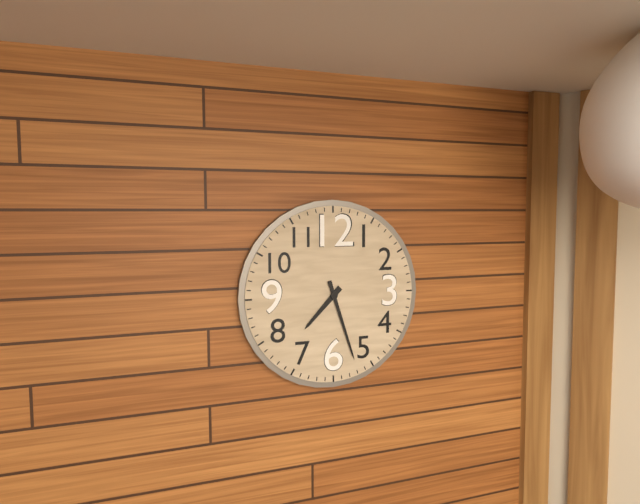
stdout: 7:27
